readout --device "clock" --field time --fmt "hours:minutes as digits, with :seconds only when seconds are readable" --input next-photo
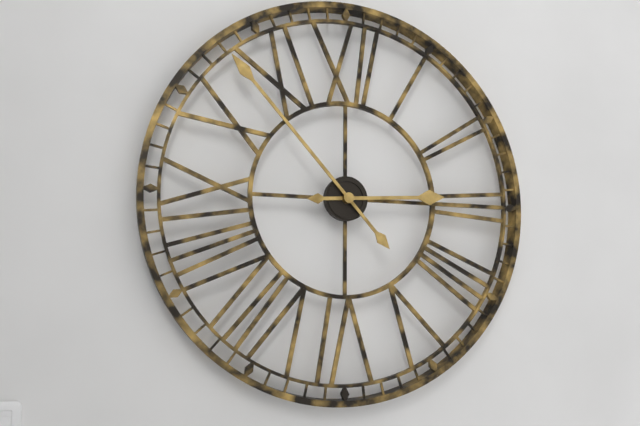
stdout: 2:53
